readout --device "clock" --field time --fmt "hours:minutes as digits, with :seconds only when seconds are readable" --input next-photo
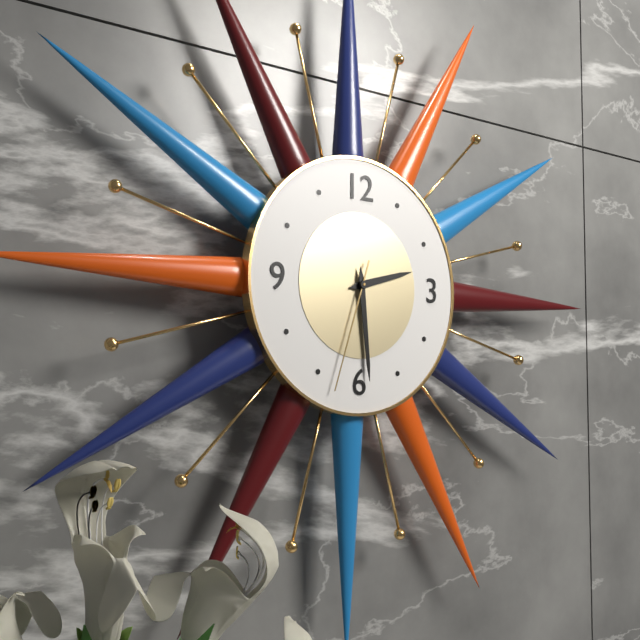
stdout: 2:29:33
